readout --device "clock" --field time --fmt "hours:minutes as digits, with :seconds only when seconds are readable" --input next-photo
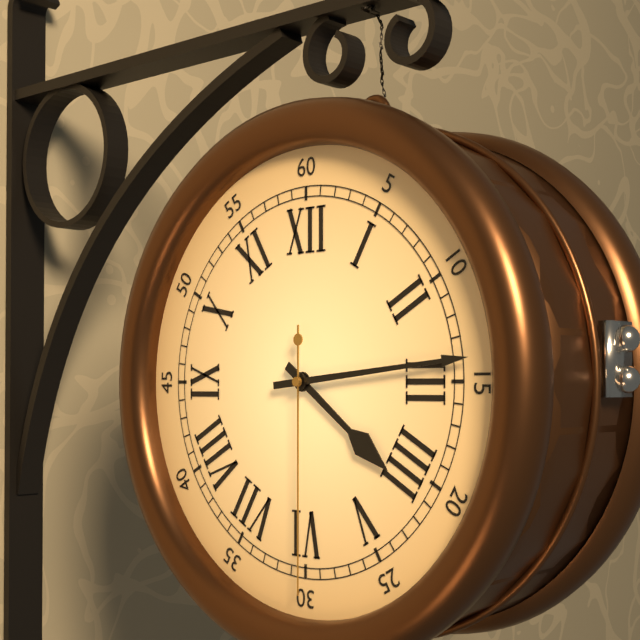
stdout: 4:14:30
